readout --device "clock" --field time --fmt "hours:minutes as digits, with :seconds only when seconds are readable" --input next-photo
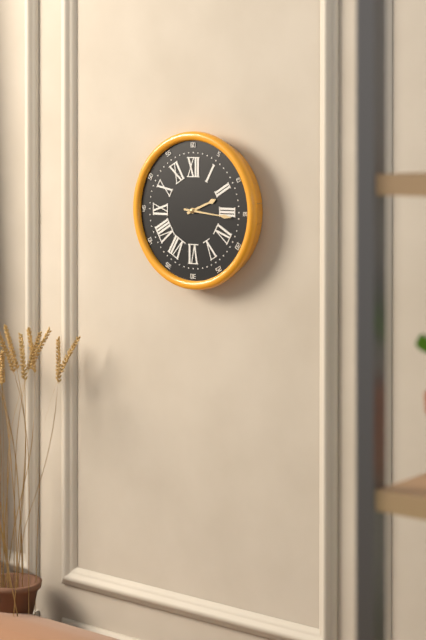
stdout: 2:16
